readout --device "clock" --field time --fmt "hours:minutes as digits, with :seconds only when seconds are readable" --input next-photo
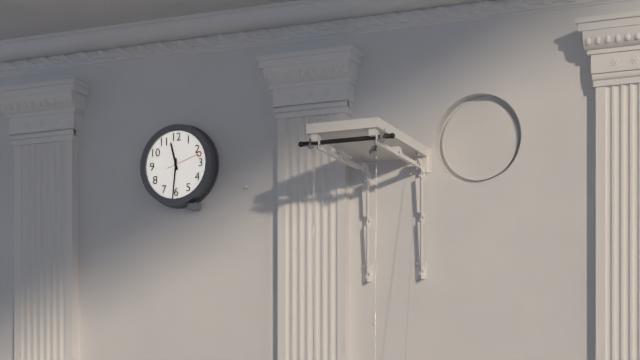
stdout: 11:31
